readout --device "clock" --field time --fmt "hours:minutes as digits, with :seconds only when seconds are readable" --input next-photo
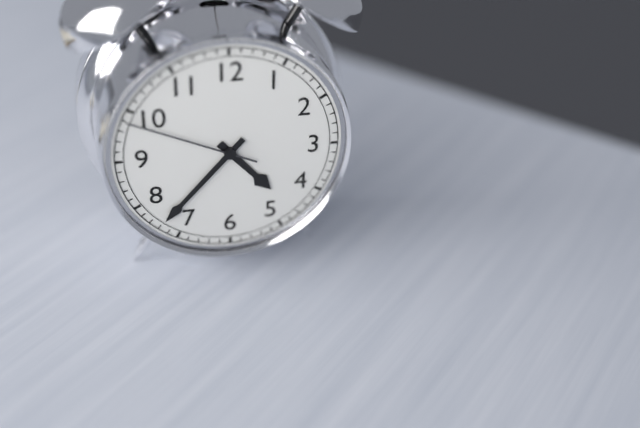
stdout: 4:37:49
